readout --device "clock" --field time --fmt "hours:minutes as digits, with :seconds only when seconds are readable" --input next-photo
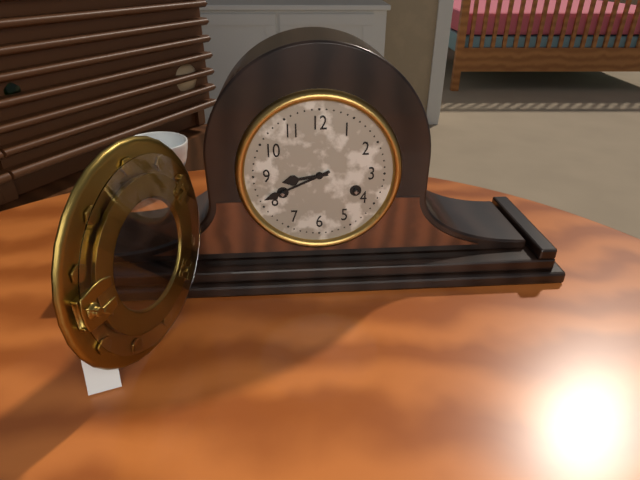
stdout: 8:41
